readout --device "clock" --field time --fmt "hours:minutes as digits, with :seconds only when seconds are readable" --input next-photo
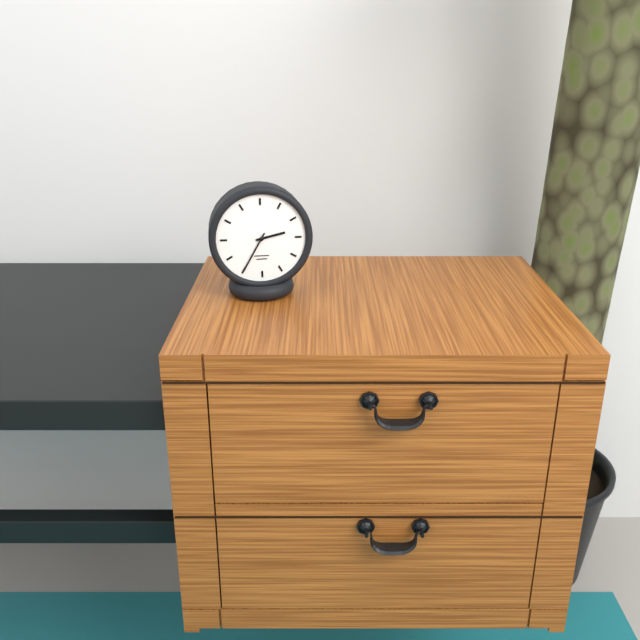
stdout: 2:35
